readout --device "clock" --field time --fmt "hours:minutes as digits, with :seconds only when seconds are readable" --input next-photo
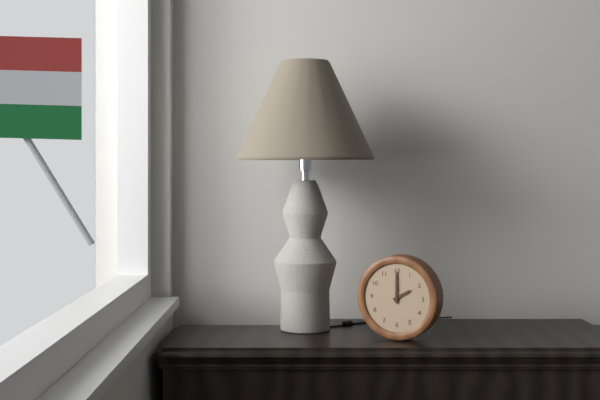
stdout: 2:00
